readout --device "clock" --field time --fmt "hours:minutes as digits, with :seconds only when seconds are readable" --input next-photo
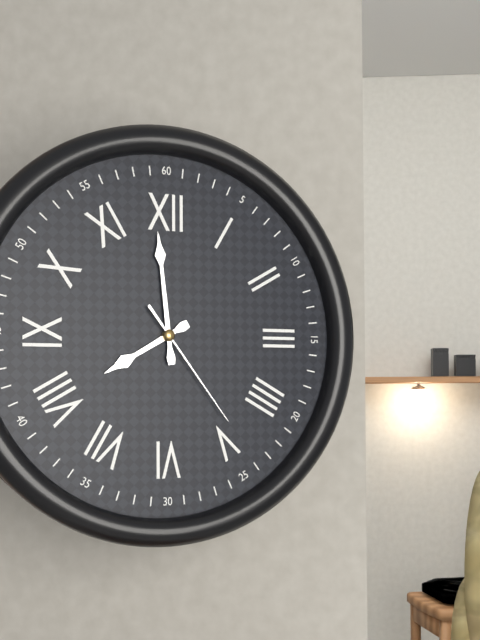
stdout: 7:59:24
